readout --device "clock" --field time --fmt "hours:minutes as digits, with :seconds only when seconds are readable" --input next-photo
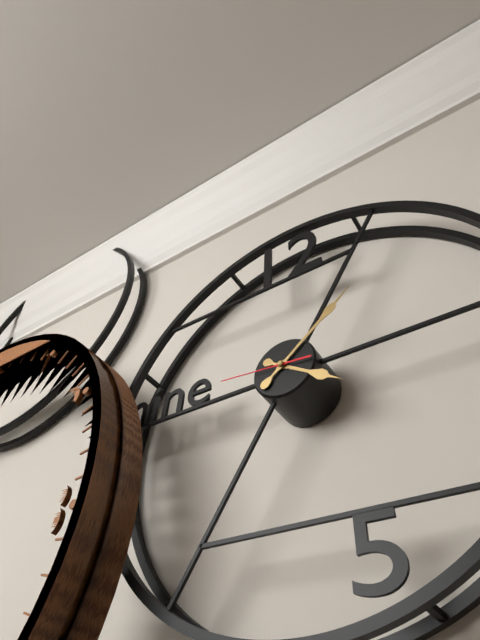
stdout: 4:08:46
